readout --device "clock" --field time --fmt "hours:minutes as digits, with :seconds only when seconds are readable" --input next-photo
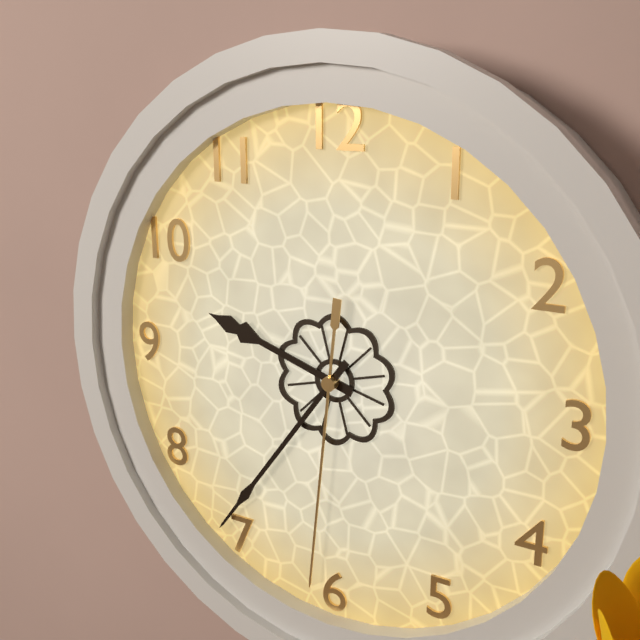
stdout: 9:36:31
